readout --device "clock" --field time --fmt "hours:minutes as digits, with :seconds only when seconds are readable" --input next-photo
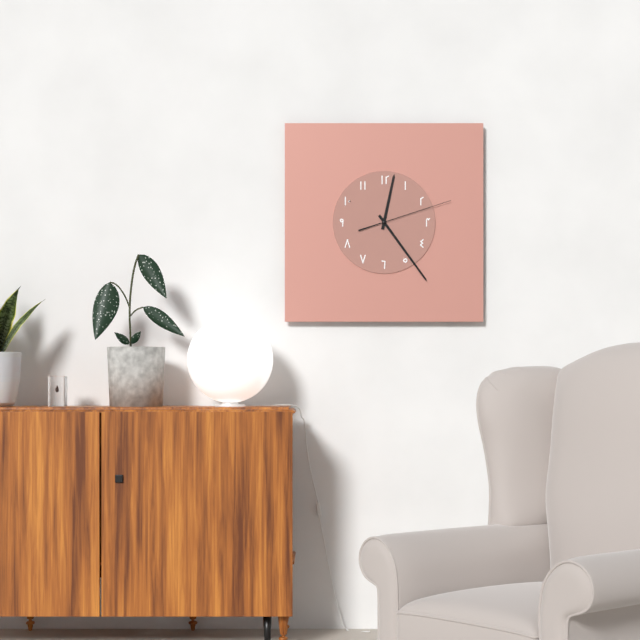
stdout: 12:24:12
